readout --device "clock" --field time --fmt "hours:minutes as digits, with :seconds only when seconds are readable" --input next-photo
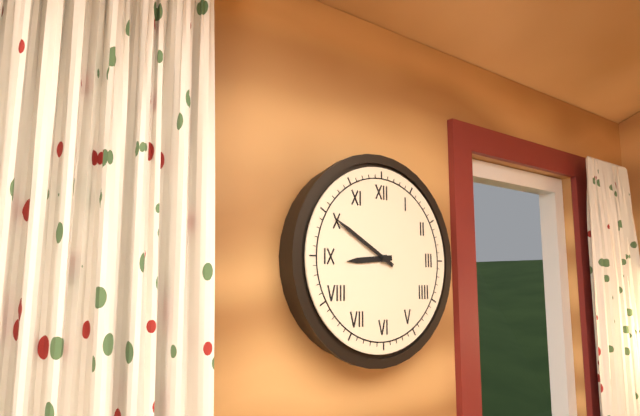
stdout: 8:50
